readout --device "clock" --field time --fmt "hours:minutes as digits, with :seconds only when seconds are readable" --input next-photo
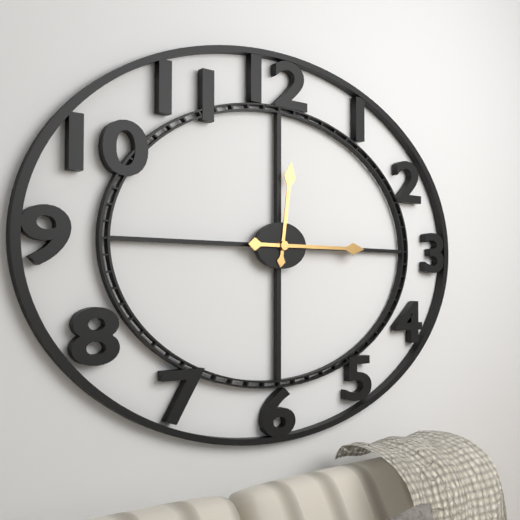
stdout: 12:15
